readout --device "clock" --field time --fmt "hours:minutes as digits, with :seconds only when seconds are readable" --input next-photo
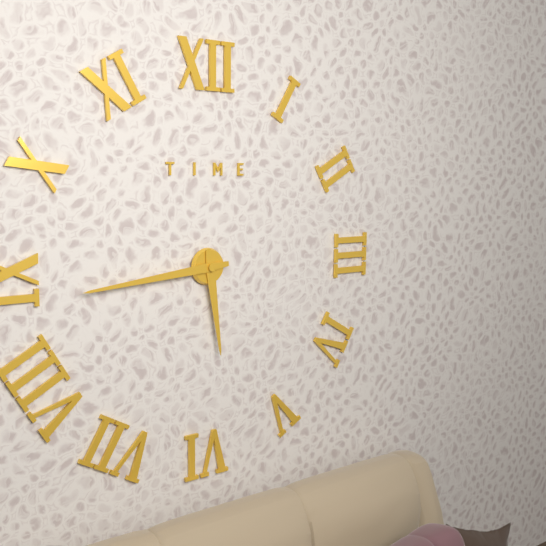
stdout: 5:44
